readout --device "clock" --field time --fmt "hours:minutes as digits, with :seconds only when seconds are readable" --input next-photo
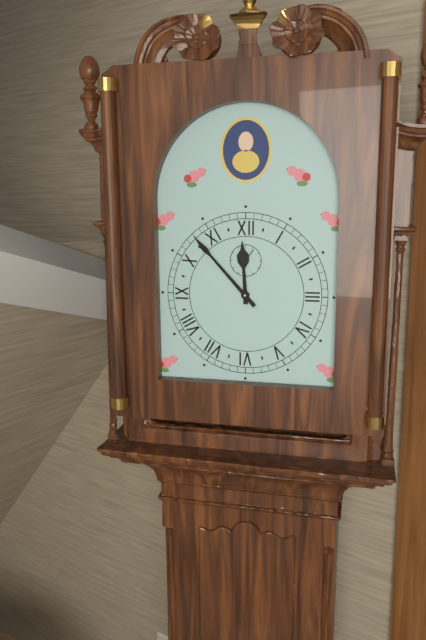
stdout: 11:53
